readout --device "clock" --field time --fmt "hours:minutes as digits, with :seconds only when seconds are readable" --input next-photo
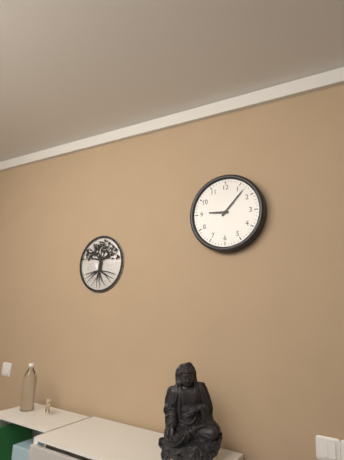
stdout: 9:07
